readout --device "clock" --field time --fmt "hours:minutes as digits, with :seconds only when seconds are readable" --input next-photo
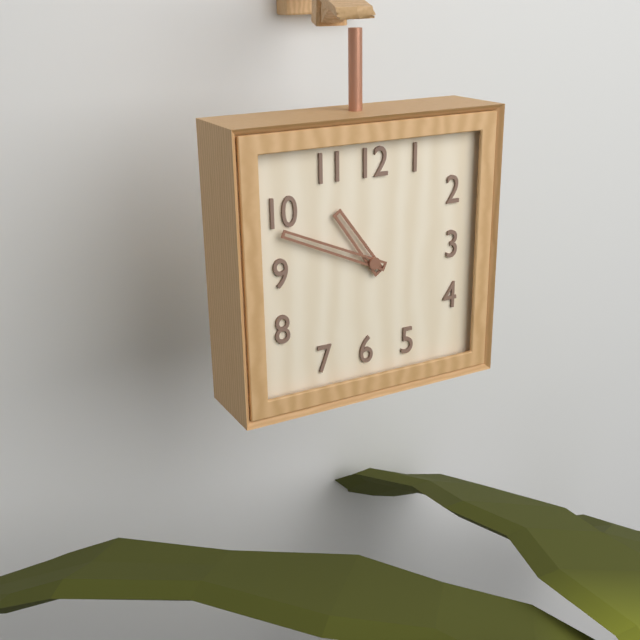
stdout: 10:49
